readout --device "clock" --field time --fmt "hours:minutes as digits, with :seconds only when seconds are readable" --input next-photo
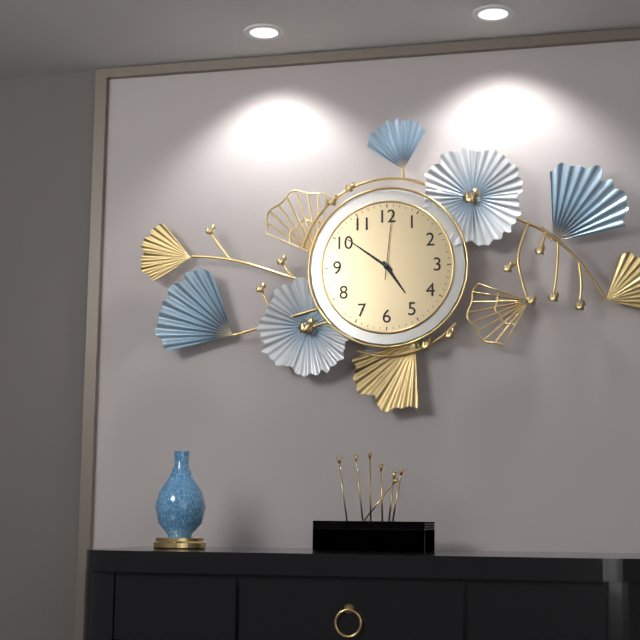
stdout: 4:51:01
